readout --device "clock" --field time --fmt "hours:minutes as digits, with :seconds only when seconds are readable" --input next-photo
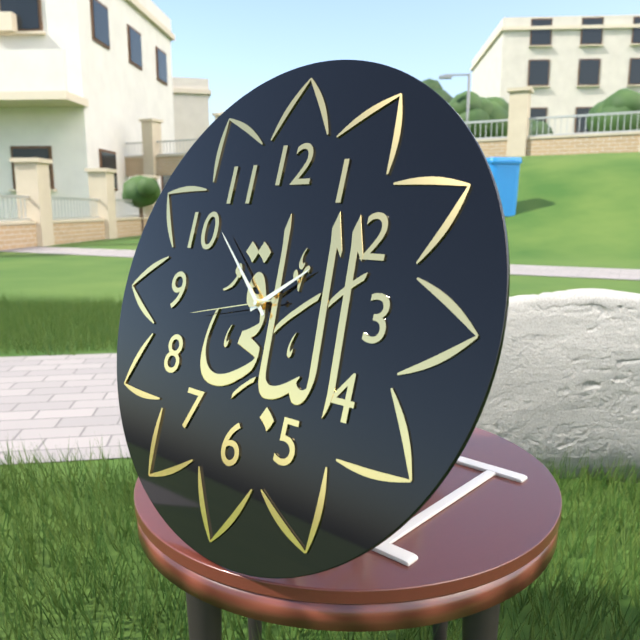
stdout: 1:52:43
